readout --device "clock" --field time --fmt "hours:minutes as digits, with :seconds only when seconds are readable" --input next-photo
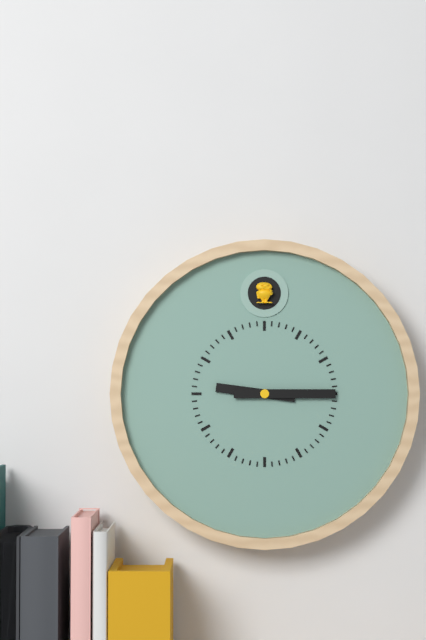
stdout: 9:15
